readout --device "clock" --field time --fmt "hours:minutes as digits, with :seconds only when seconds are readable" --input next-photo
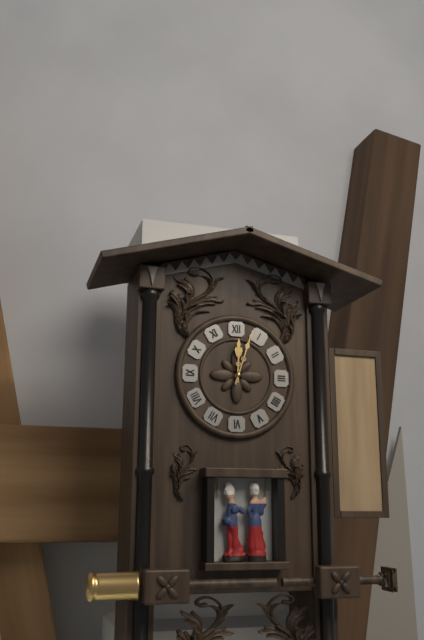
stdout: 12:03
